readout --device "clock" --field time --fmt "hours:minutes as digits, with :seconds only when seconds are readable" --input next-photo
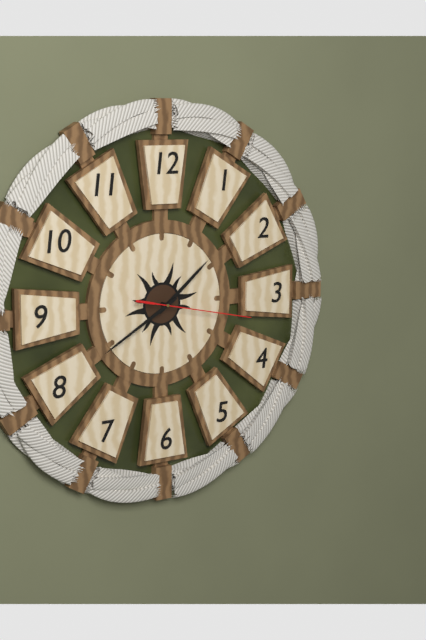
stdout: 1:40:17
